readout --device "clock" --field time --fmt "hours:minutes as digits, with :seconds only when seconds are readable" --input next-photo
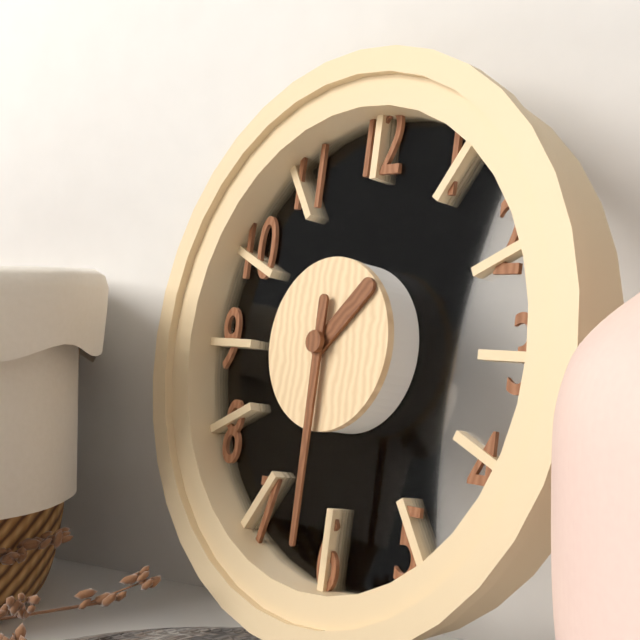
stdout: 1:30
